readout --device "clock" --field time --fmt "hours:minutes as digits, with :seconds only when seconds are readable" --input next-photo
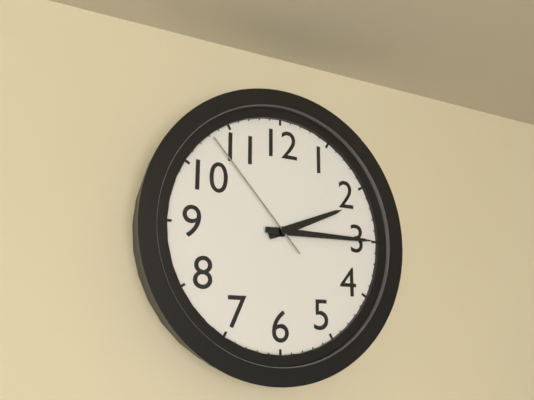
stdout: 2:15:53
